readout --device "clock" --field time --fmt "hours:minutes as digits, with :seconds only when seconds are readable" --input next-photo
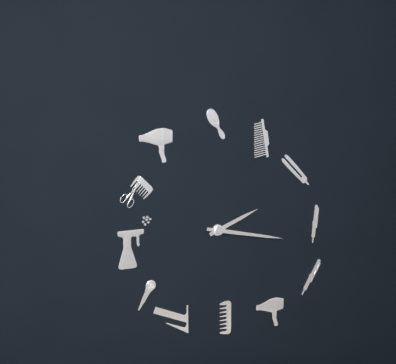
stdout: 2:17
